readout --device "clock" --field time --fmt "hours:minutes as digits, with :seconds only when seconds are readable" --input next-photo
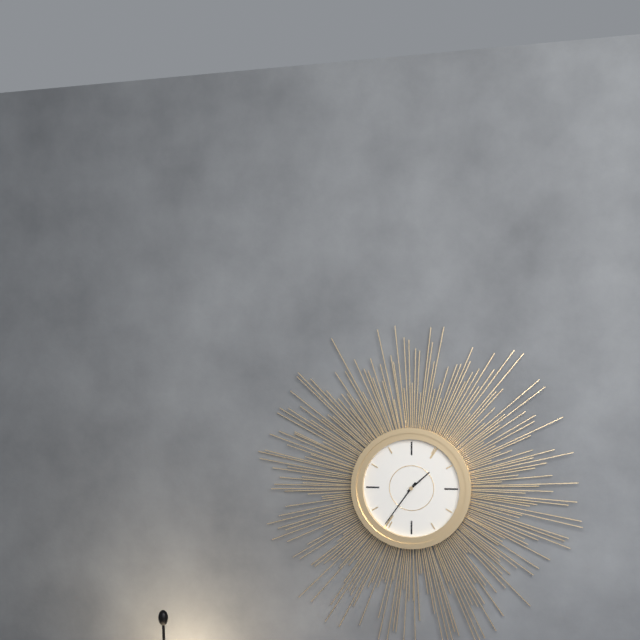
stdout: 1:36
